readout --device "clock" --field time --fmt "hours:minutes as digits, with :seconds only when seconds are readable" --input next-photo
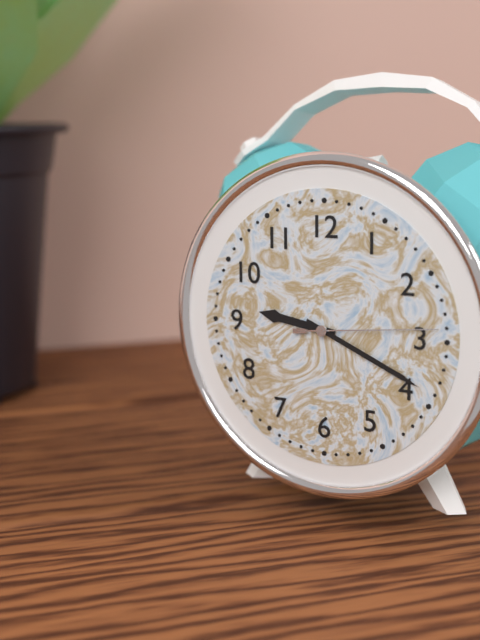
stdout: 9:19:14
